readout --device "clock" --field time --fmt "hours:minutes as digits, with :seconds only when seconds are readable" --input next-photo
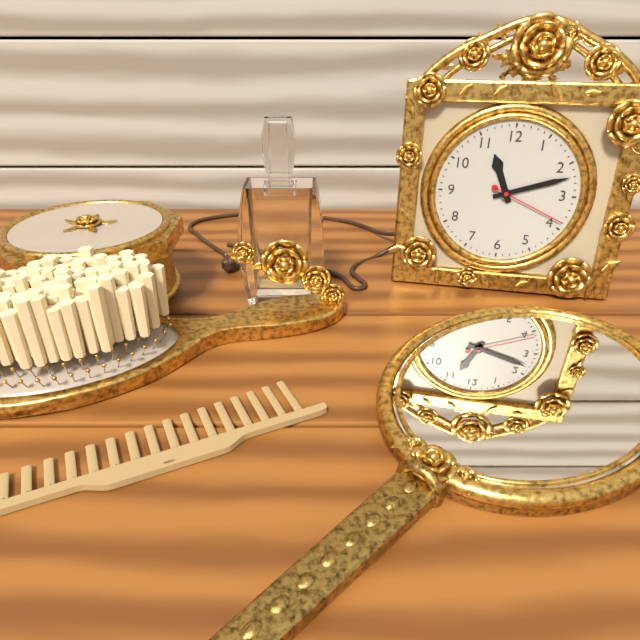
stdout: 11:12:19
